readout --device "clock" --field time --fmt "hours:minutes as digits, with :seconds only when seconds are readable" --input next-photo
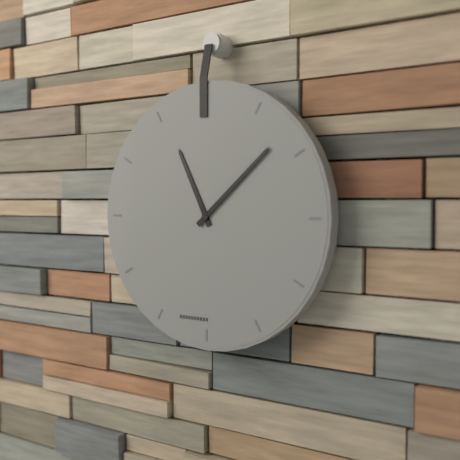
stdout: 11:08
